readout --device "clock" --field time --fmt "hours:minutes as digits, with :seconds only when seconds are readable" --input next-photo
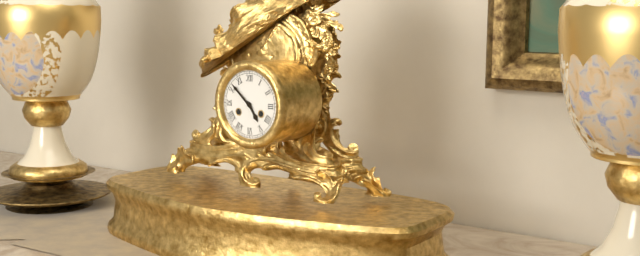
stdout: 4:52
